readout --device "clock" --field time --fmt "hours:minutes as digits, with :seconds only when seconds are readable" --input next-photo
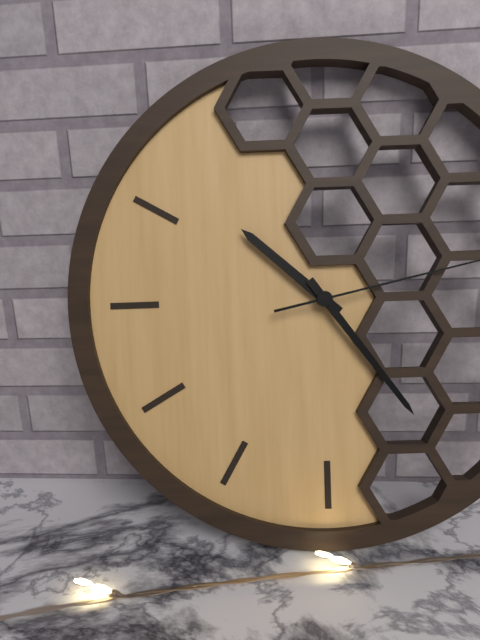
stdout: 10:24
